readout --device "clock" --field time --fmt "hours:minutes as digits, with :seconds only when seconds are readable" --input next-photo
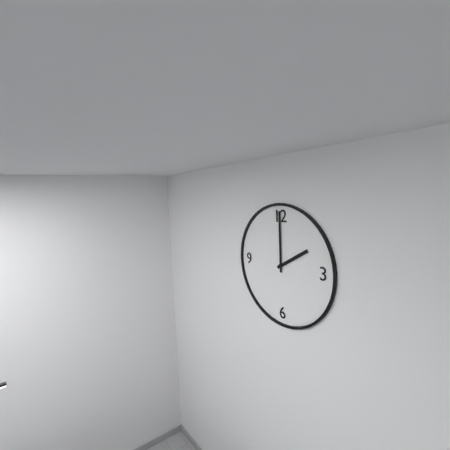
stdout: 2:00
